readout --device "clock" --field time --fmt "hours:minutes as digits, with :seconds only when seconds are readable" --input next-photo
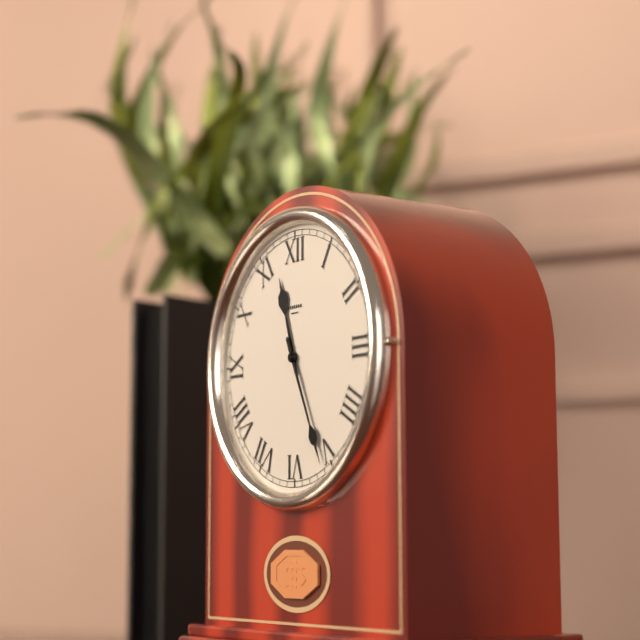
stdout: 11:26
